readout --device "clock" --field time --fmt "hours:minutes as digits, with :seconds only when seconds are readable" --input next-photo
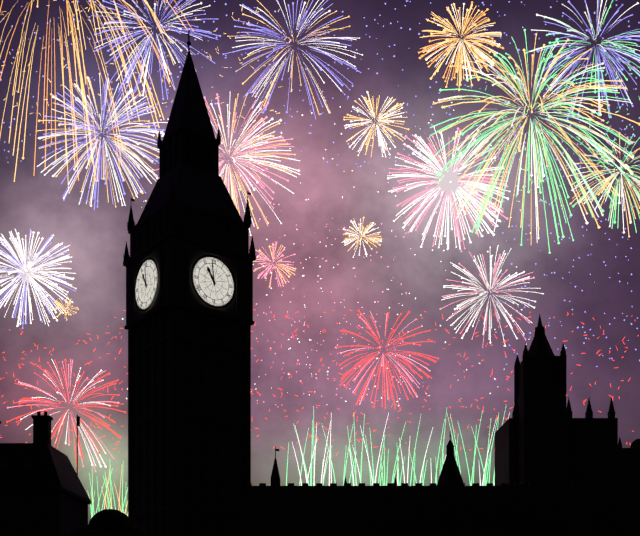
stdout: 10:59
